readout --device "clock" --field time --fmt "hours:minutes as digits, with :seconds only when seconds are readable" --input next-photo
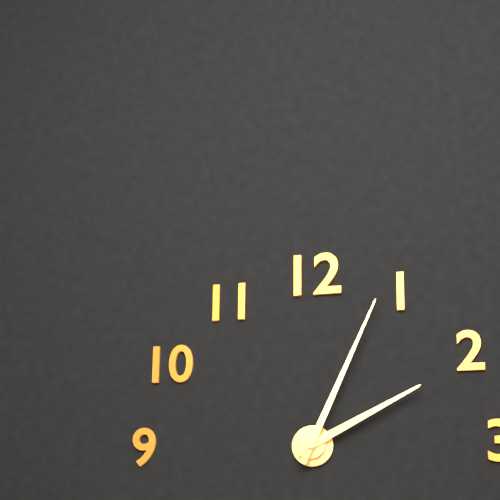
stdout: 2:04
